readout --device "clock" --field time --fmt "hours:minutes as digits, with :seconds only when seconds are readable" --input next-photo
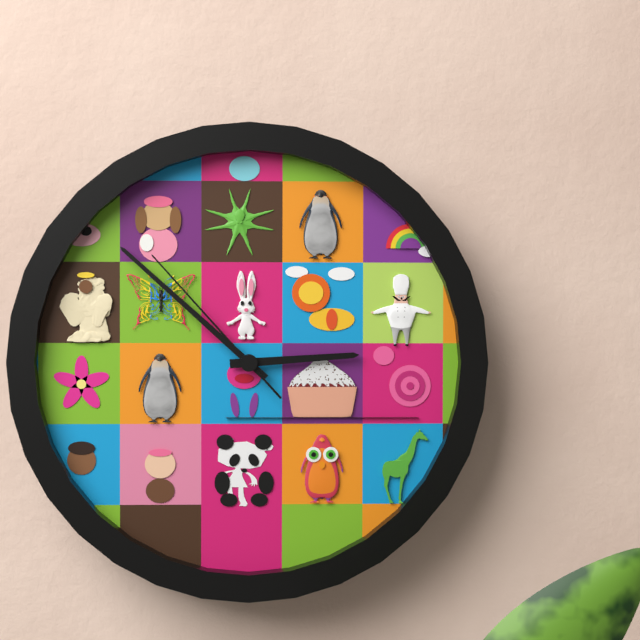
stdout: 2:52:53
